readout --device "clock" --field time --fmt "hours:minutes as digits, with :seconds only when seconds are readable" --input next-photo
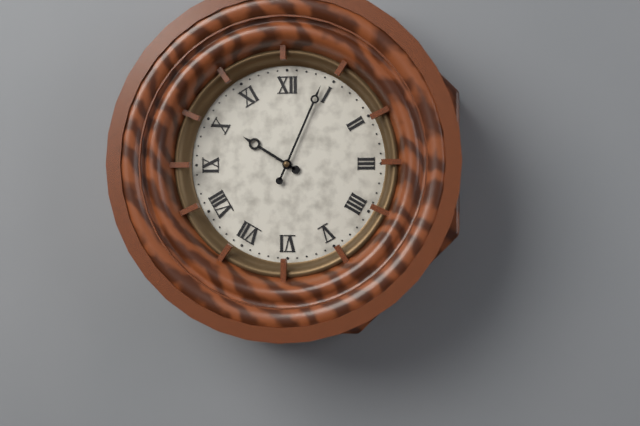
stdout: 10:04
